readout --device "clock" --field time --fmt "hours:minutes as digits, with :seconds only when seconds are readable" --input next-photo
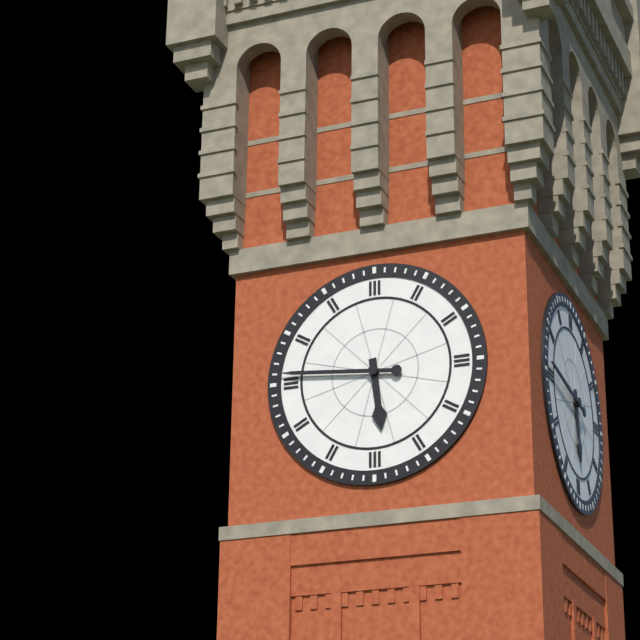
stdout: 5:46
